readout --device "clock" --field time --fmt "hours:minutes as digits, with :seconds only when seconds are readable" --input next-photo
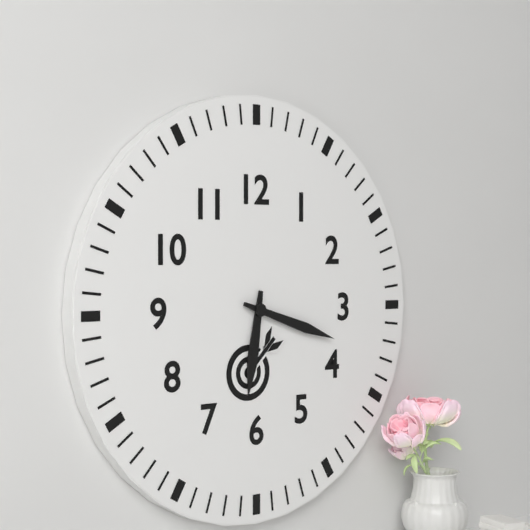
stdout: 6:18
